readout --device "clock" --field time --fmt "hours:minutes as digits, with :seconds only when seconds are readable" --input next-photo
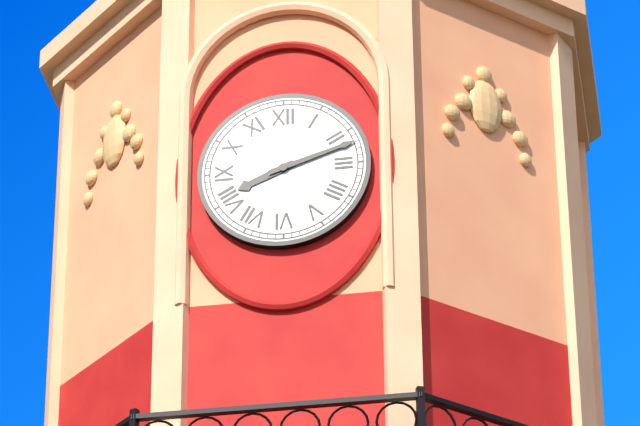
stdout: 8:12
